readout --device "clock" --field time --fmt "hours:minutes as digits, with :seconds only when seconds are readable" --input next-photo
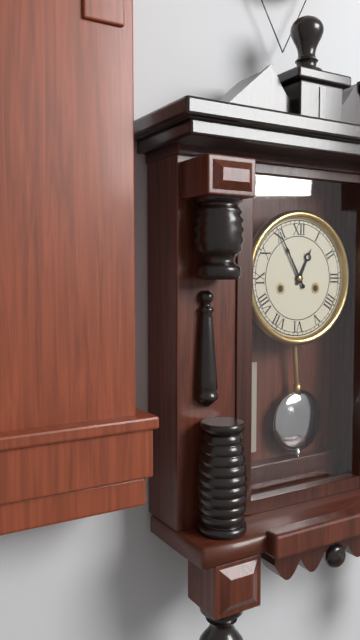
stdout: 12:55
